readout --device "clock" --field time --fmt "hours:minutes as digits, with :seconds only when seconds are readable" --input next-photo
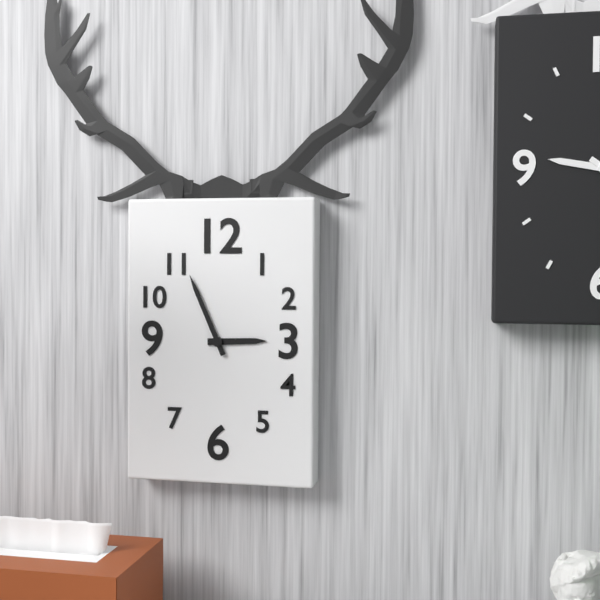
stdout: 2:56
